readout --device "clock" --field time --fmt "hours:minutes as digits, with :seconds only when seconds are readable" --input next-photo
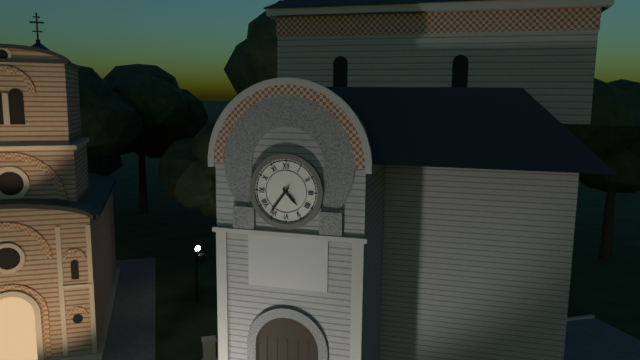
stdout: 4:36
